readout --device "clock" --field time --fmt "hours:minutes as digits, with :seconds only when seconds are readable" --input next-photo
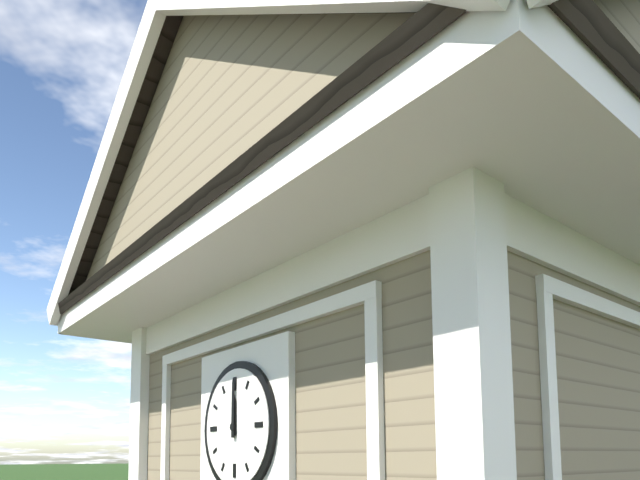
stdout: 12:00
